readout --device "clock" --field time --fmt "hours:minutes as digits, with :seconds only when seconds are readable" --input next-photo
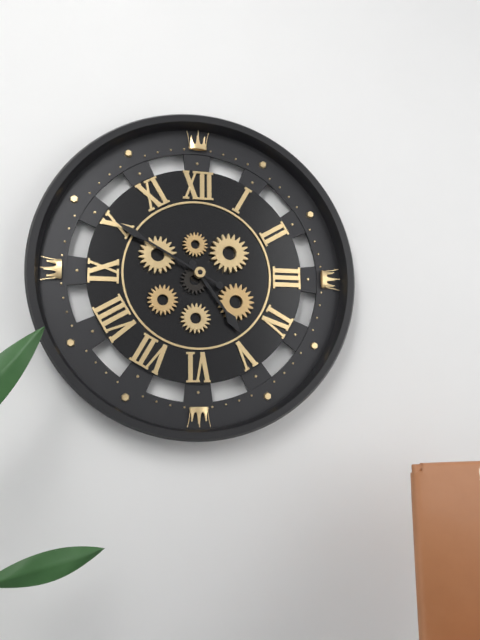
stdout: 4:50
